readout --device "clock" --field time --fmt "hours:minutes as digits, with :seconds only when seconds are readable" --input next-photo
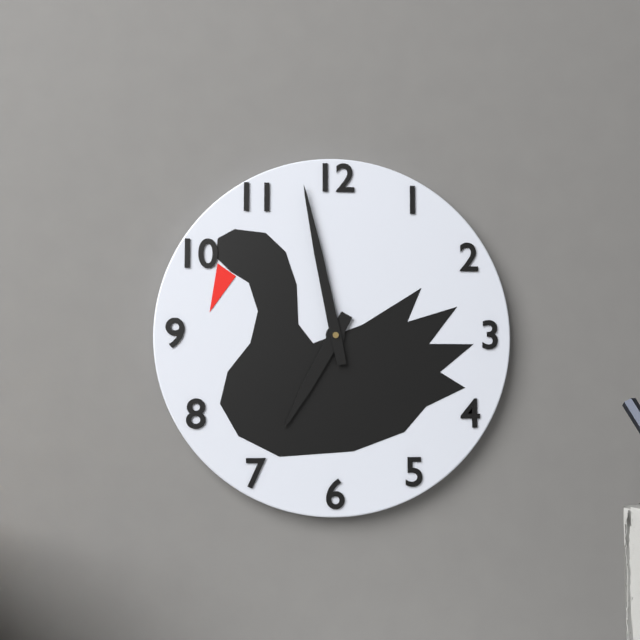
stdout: 6:58
